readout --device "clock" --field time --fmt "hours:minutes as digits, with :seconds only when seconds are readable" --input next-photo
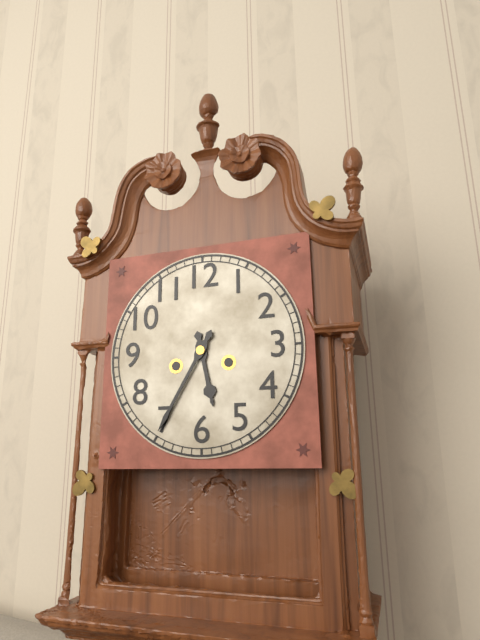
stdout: 5:35
